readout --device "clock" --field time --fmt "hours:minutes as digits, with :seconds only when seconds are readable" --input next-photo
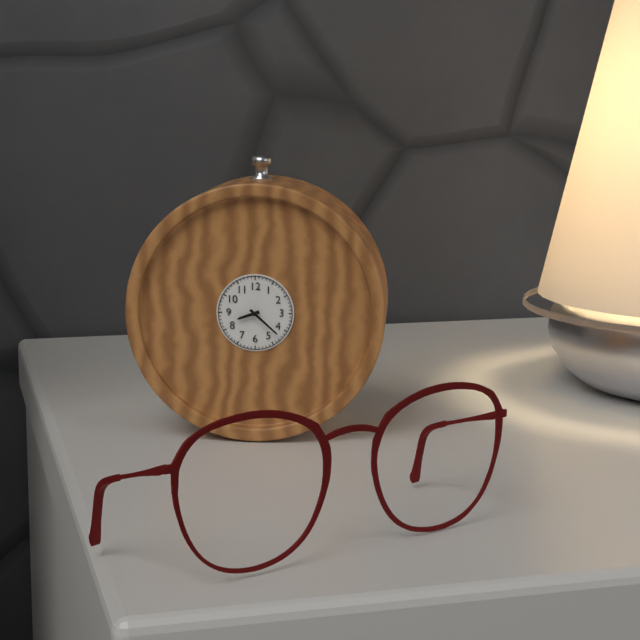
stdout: 8:22
